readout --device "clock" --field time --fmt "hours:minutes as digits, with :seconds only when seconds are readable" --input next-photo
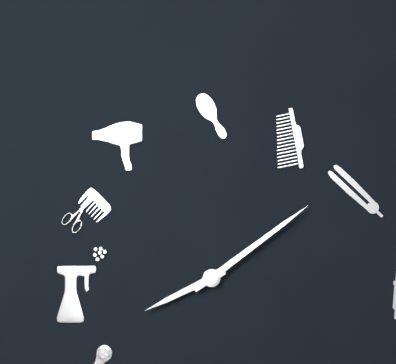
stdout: 8:09
